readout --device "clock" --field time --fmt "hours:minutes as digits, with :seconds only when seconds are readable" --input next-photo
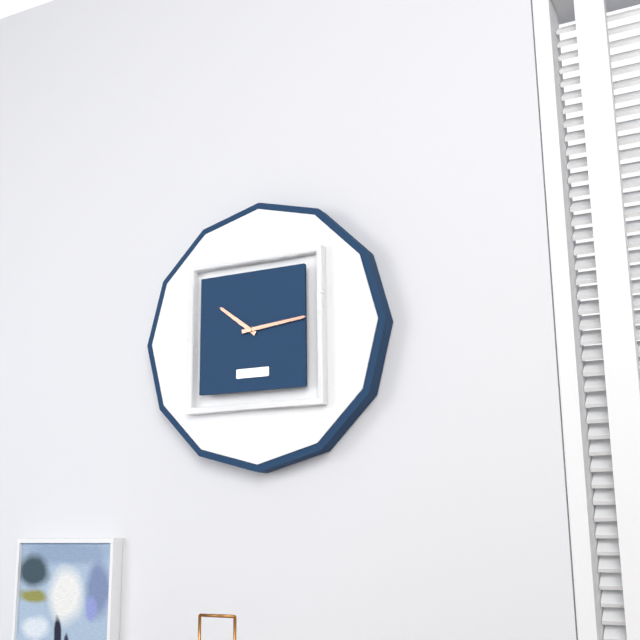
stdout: 10:14
